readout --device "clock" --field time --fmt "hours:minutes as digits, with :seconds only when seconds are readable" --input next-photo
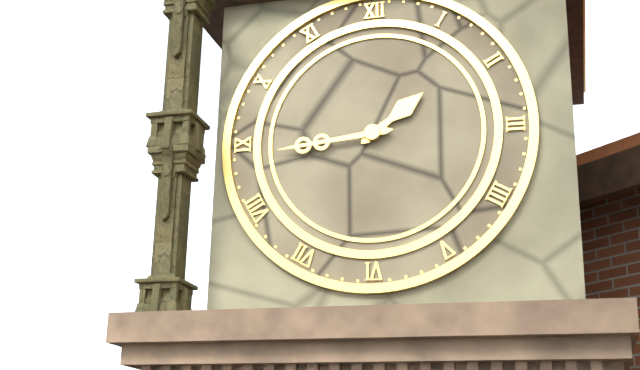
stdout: 1:44
